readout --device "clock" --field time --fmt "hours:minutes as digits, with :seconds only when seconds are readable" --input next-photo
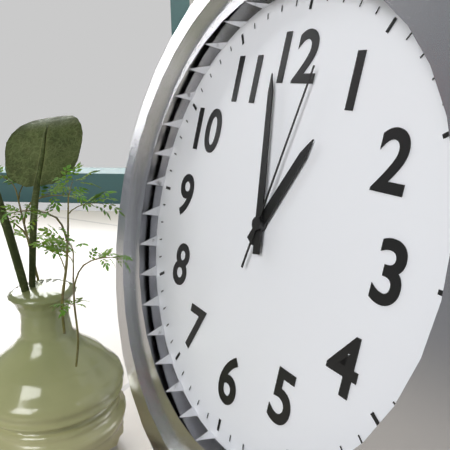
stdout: 12:58:02
